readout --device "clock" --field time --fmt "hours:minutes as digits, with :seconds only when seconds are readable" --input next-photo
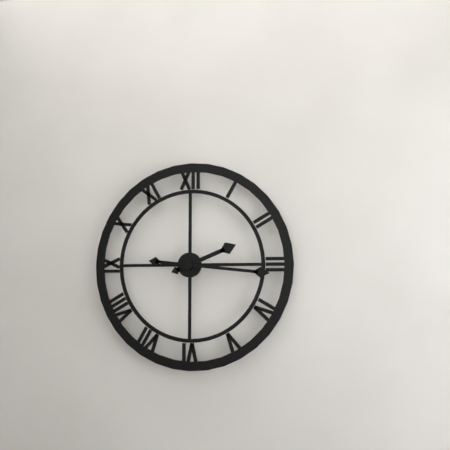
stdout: 2:16
